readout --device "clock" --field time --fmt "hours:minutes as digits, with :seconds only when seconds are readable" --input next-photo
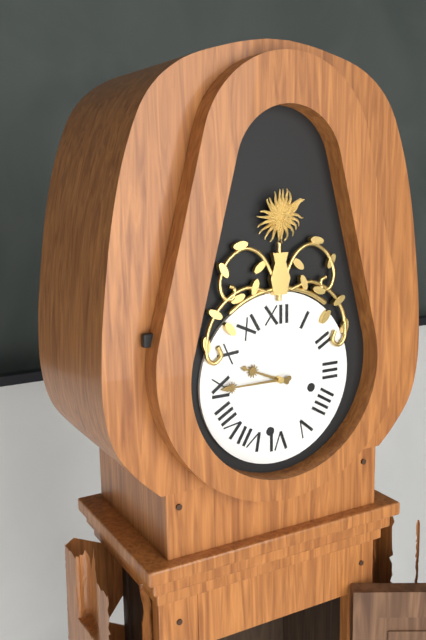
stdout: 9:45
